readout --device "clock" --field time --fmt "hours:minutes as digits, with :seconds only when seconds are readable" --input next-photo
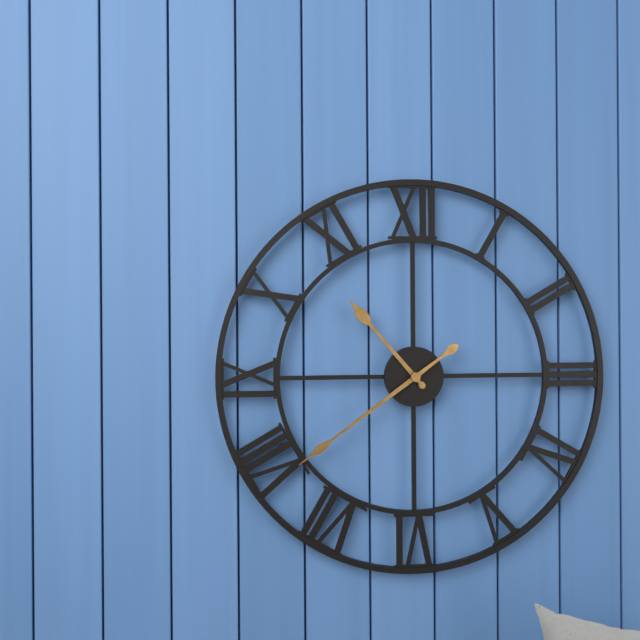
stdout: 10:39
